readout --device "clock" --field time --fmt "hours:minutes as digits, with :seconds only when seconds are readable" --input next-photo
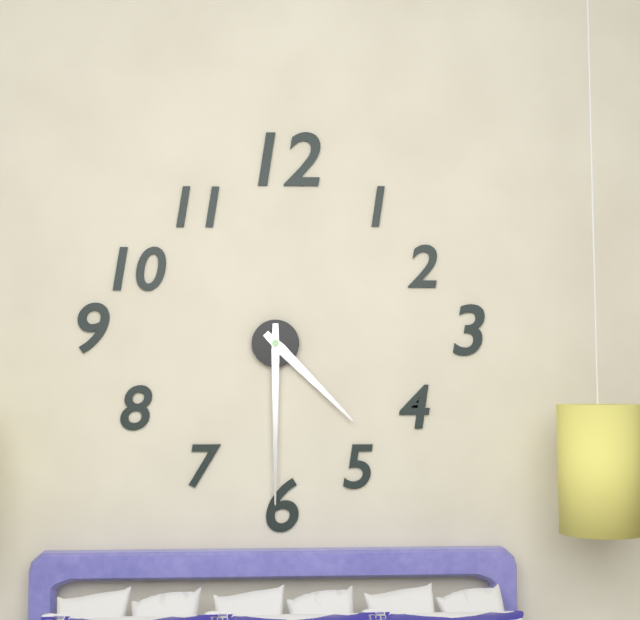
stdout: 4:30
